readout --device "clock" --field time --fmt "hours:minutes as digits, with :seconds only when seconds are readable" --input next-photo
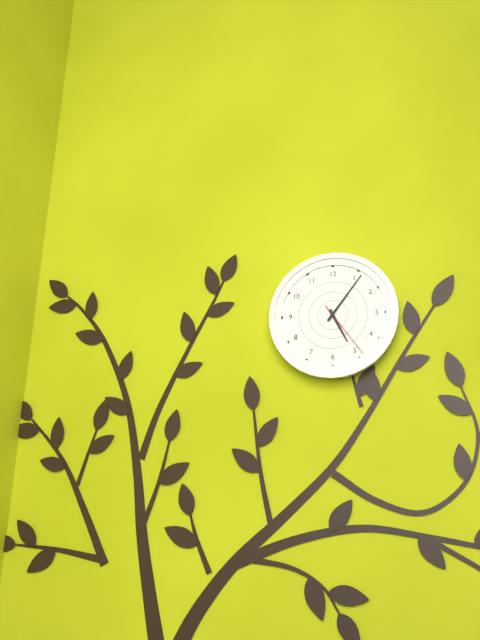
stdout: 5:06:24
